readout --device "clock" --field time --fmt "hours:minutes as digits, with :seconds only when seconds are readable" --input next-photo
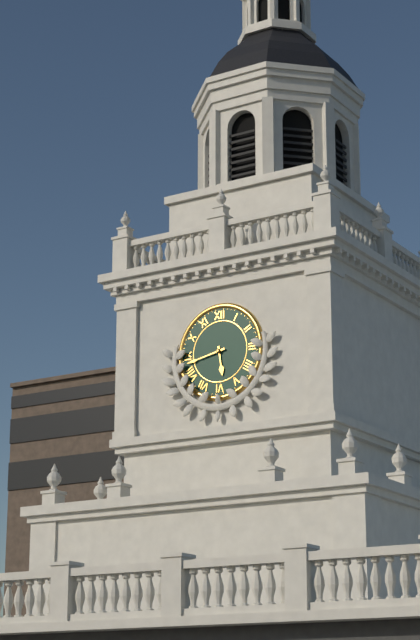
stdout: 5:43
